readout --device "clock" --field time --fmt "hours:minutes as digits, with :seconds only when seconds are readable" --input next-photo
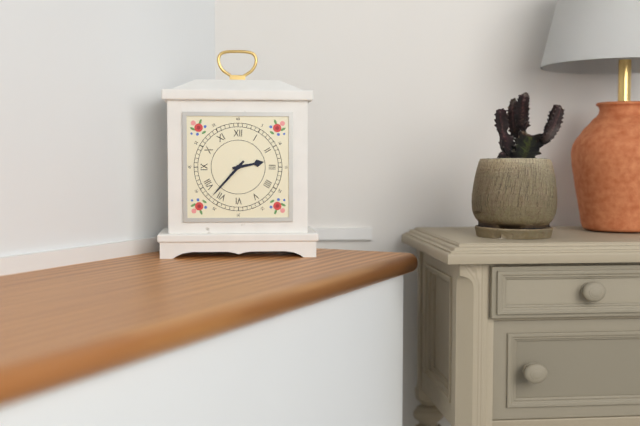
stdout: 2:37
